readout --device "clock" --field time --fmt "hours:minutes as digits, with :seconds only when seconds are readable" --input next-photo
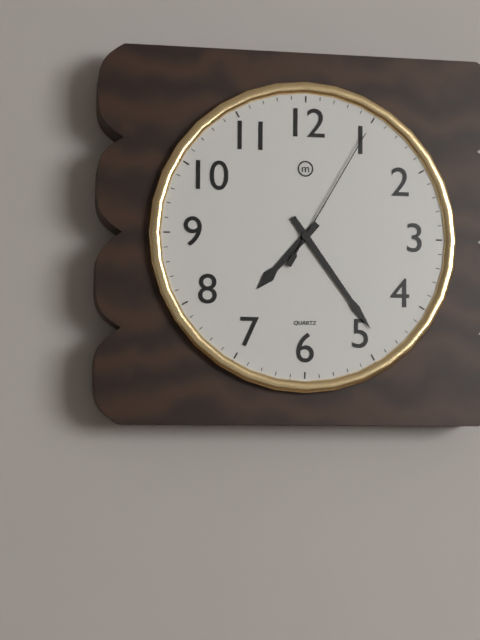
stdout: 7:24:05
